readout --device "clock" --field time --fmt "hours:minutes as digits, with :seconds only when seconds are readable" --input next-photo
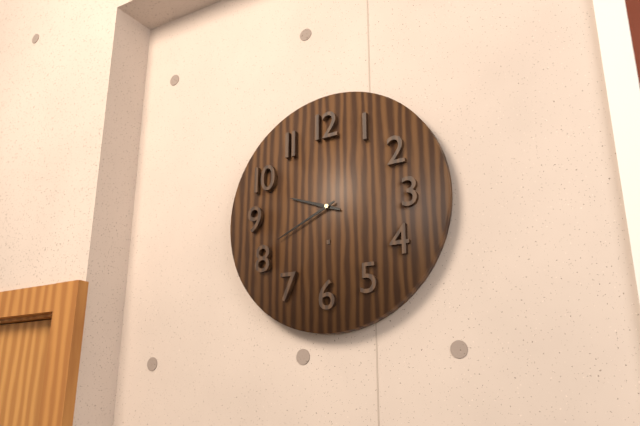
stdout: 9:41
